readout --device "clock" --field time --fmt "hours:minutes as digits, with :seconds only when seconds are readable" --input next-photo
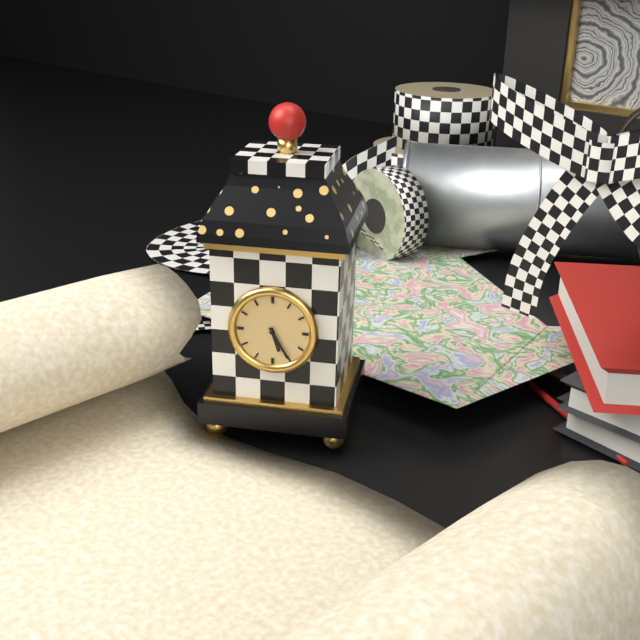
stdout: 5:25
